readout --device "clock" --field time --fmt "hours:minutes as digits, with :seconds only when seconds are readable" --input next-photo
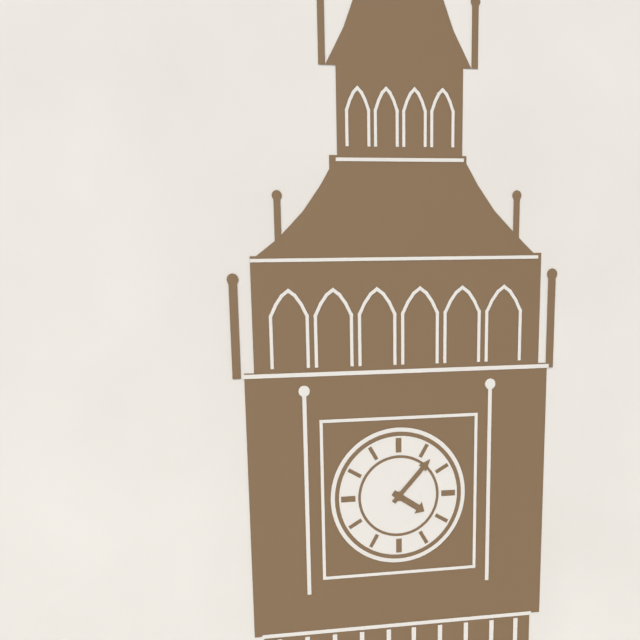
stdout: 4:07
